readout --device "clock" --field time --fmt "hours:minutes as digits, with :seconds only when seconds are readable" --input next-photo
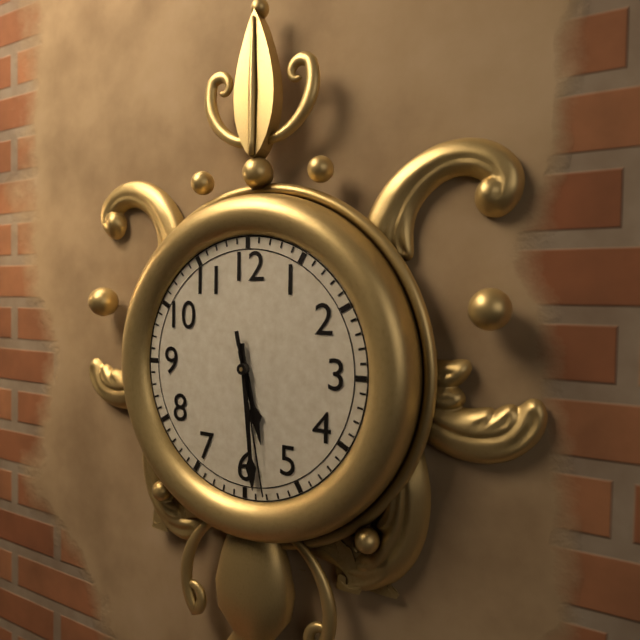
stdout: 5:29:28
